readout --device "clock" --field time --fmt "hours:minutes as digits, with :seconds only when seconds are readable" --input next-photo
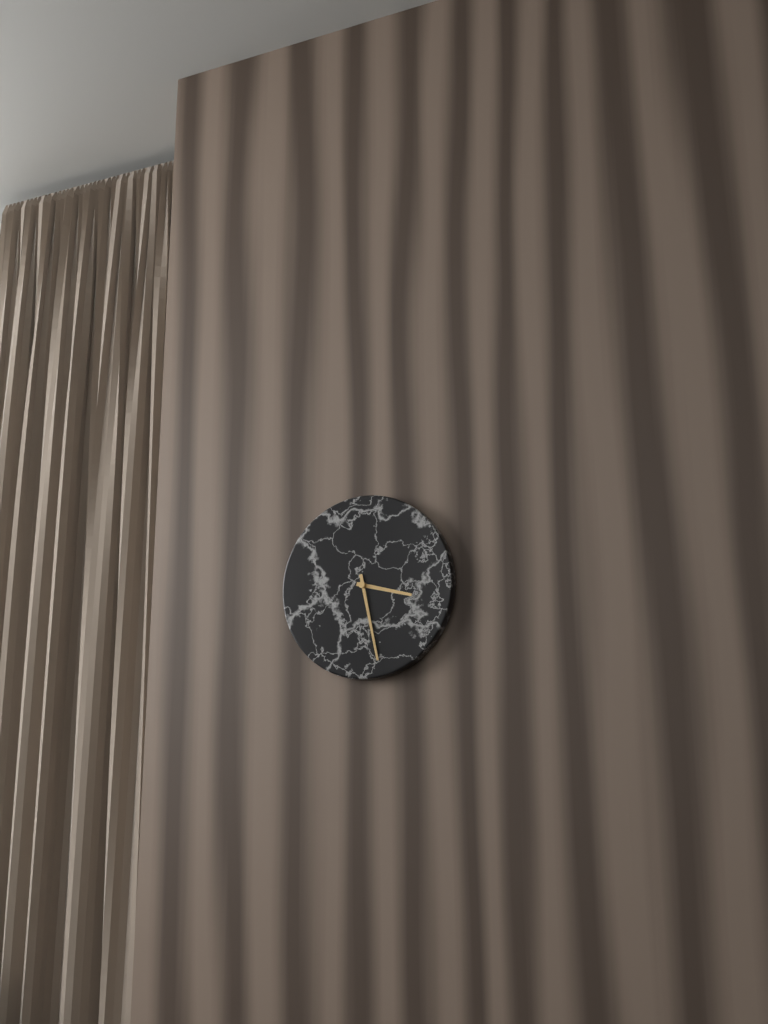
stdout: 3:28
